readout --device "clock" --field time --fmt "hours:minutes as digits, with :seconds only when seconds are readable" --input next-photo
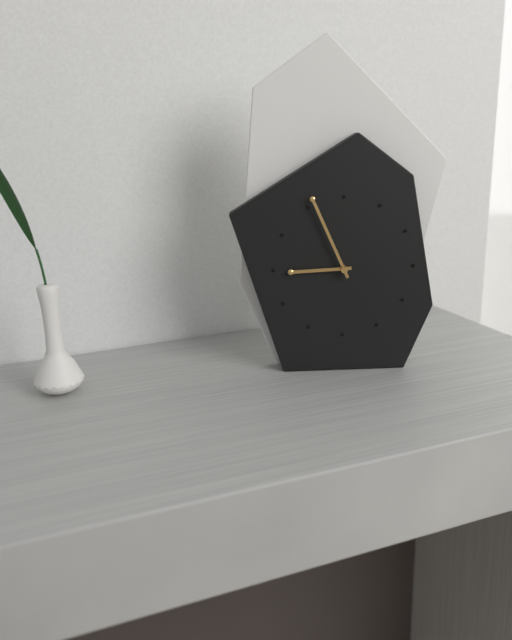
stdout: 8:56
